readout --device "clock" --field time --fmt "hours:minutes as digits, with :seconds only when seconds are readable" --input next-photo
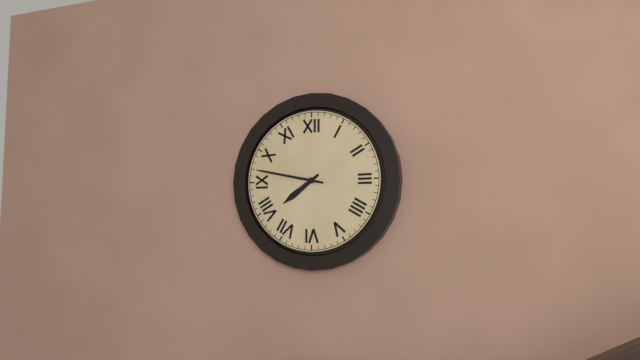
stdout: 7:47
